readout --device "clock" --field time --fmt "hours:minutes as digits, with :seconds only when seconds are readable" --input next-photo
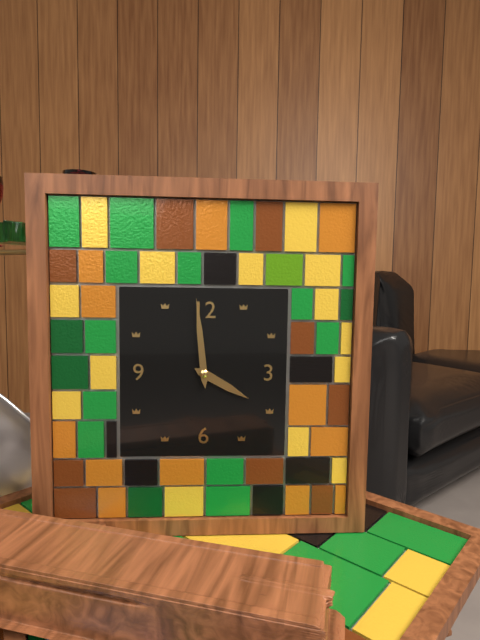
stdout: 3:59
